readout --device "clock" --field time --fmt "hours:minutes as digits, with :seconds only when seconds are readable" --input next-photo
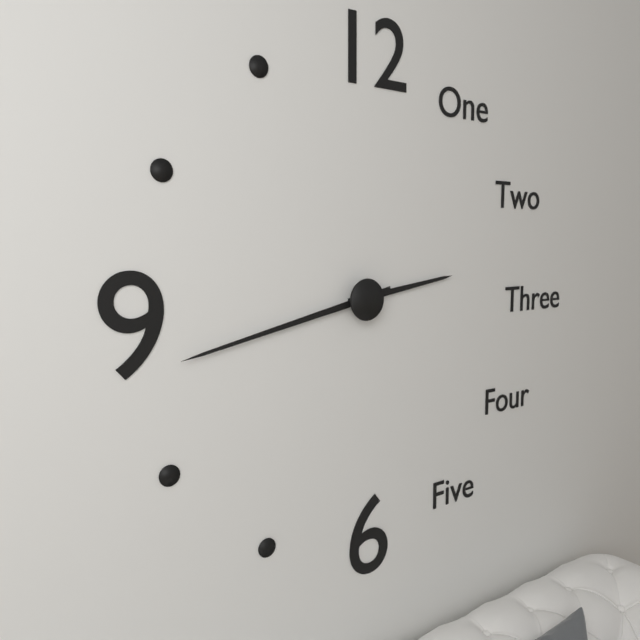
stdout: 2:43
